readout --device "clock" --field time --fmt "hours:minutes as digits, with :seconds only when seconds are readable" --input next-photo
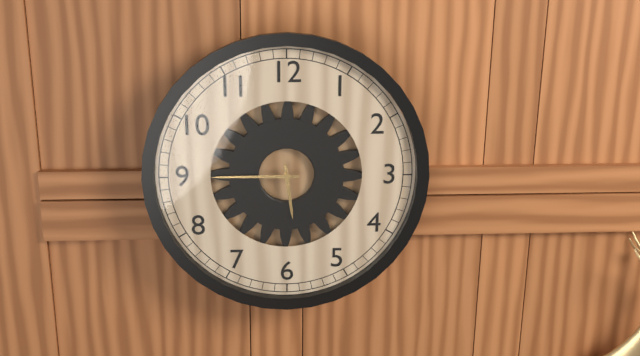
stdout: 5:45
